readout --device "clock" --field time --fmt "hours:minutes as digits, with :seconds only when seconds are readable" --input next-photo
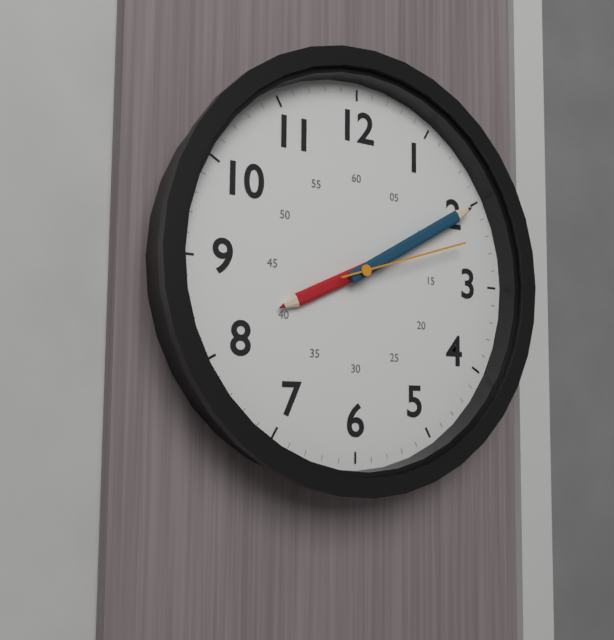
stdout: 8:10:12
